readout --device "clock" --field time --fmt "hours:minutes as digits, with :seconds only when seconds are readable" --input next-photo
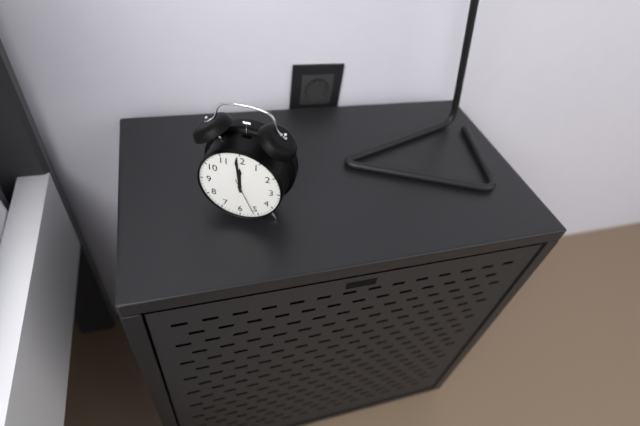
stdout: 11:59
